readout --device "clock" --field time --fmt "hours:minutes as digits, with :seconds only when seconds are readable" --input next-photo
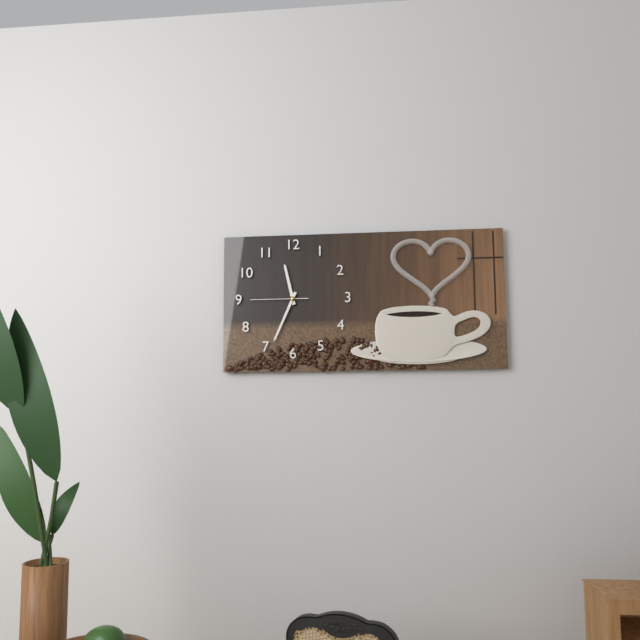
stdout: 11:34:45
